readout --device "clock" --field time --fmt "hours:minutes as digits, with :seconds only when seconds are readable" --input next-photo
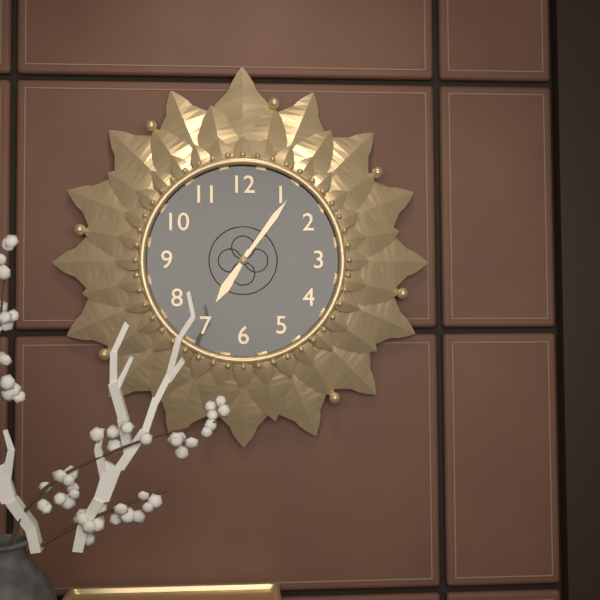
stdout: 7:06
